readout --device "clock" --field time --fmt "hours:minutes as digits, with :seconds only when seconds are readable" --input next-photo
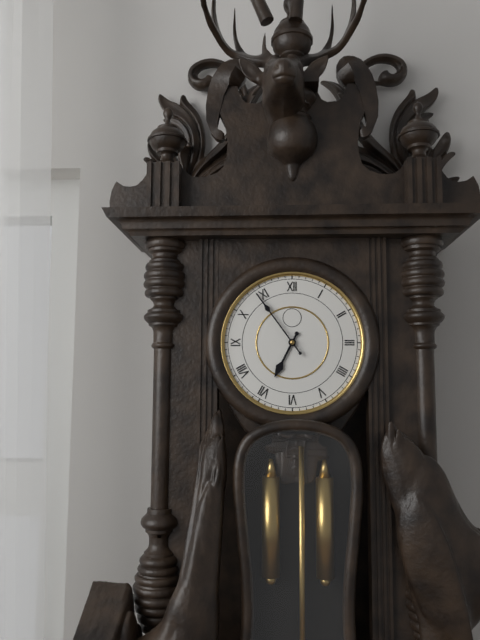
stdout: 6:54
